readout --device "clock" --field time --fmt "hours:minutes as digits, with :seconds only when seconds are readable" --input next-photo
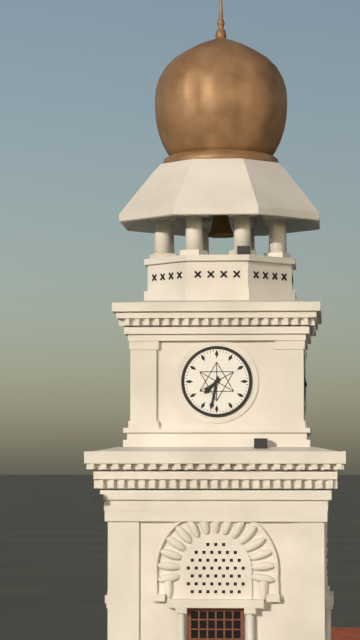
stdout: 7:32
